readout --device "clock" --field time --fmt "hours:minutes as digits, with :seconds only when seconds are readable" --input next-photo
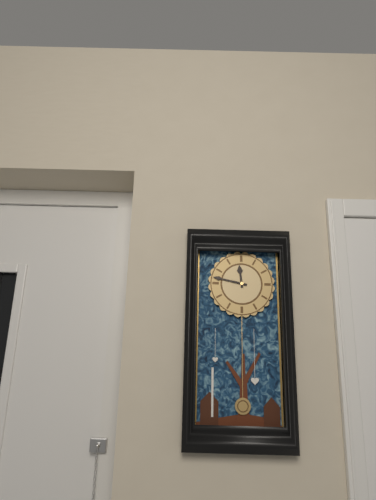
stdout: 11:47
